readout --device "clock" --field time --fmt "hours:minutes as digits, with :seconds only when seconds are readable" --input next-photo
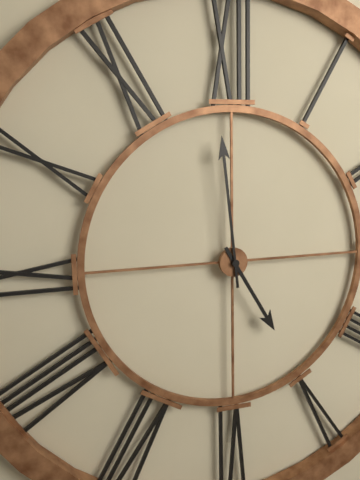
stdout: 4:59
